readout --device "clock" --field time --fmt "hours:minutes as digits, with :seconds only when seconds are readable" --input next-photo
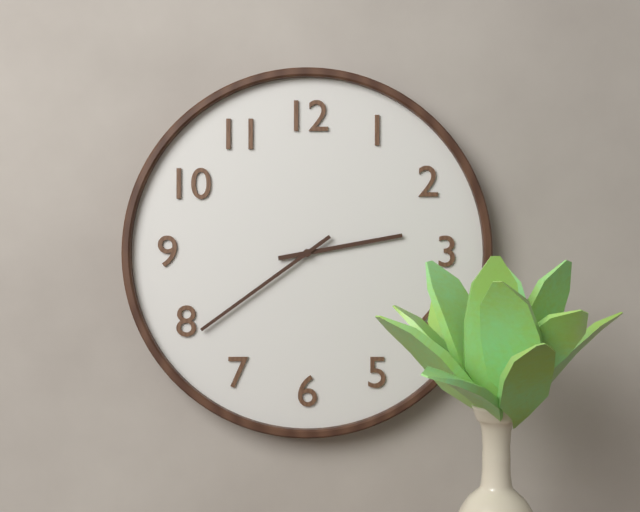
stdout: 2:39
